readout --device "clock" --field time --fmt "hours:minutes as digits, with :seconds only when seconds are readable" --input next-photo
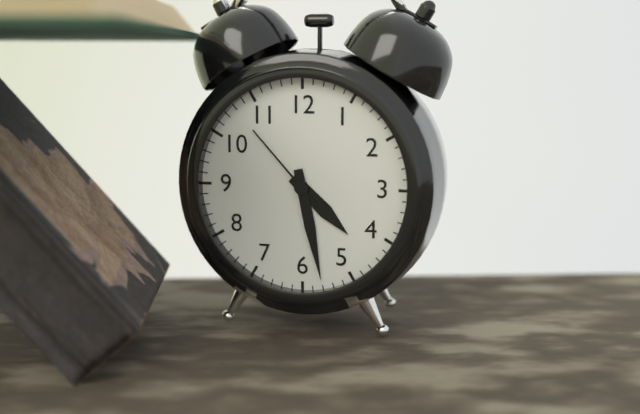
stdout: 4:28:53
